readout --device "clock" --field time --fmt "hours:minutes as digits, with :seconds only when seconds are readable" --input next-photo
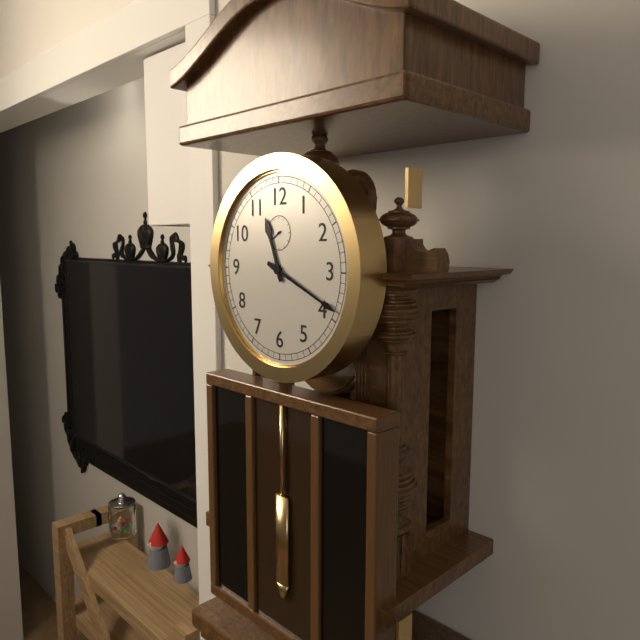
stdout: 11:19
